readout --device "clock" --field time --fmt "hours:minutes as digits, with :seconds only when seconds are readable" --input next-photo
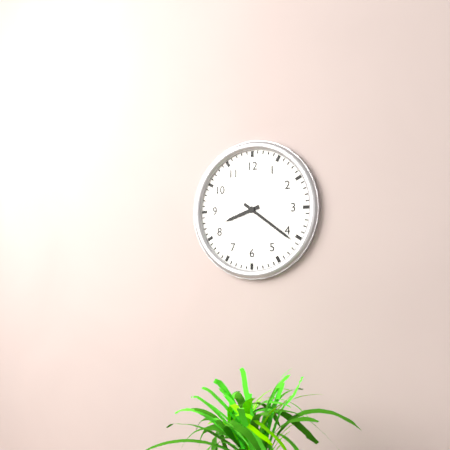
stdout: 8:21
